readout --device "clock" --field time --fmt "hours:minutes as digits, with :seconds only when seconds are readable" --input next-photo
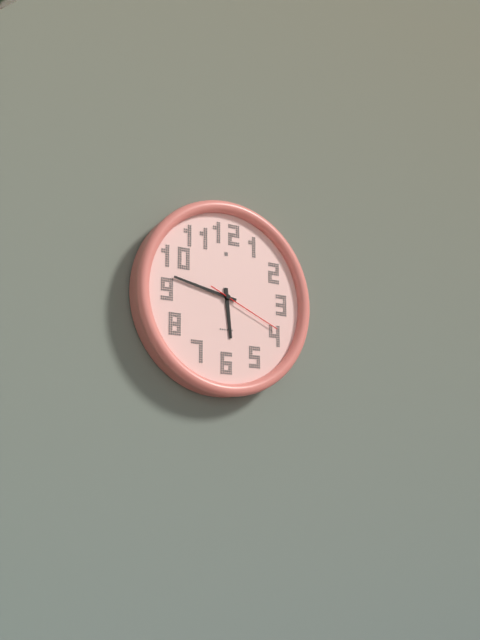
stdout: 5:47:19
